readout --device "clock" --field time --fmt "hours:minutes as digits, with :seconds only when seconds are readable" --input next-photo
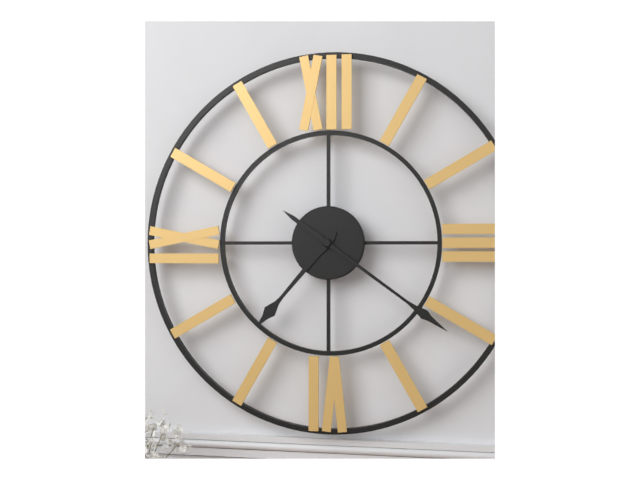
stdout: 7:21
